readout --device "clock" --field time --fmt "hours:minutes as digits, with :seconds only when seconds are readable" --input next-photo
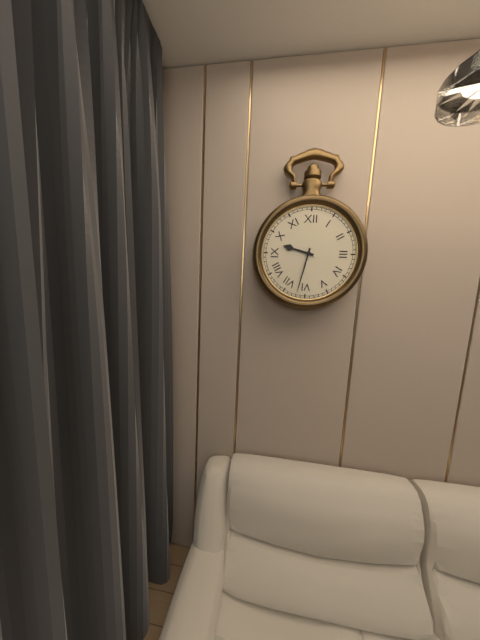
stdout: 9:32
